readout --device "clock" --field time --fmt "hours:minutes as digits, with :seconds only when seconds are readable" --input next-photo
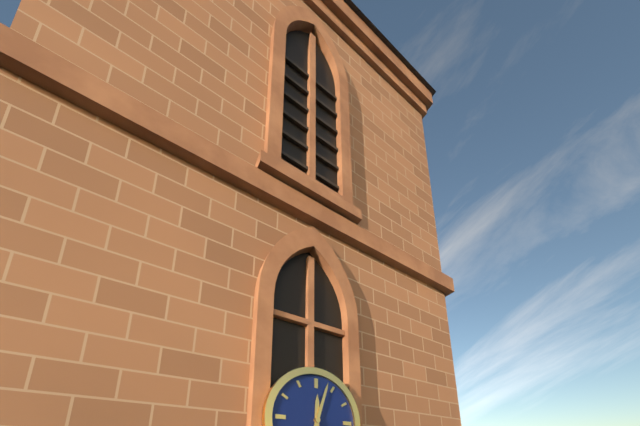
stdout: 12:03
